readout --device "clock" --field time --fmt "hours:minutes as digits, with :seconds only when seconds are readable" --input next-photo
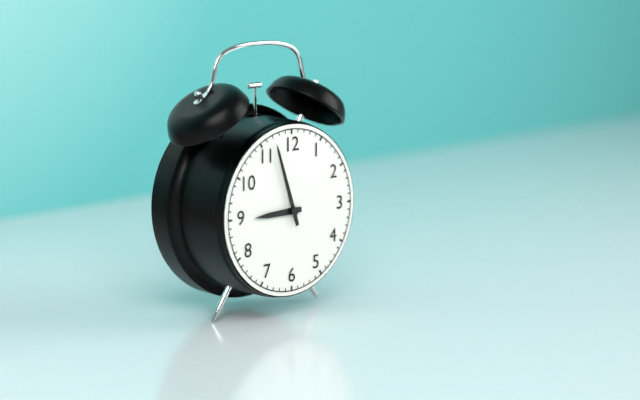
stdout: 8:57
